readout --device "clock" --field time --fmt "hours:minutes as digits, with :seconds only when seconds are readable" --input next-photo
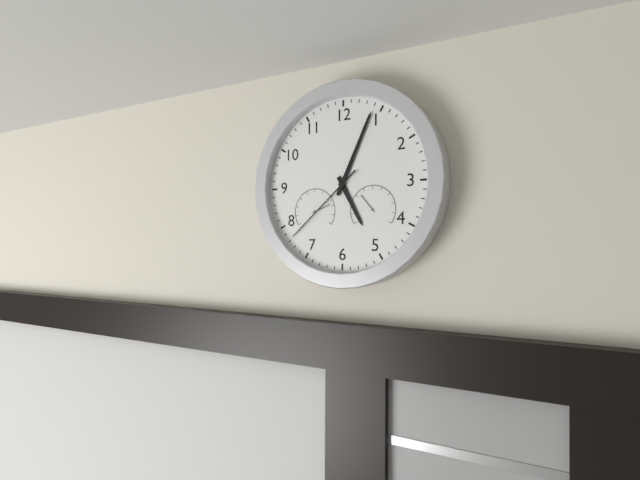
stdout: 5:04:38
